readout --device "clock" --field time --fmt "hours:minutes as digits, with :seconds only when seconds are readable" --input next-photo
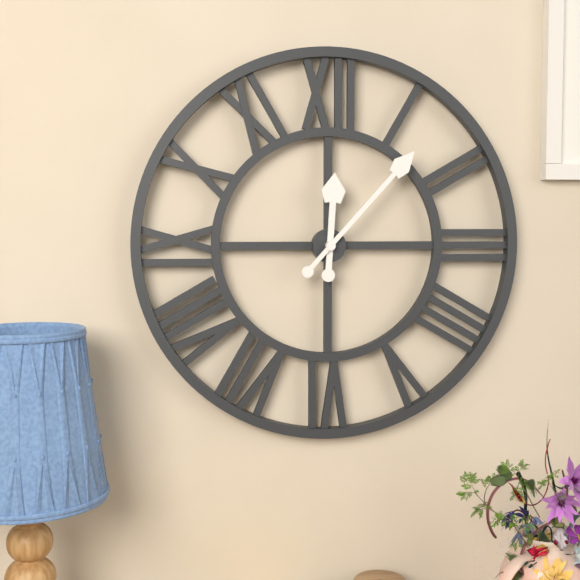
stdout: 12:07
